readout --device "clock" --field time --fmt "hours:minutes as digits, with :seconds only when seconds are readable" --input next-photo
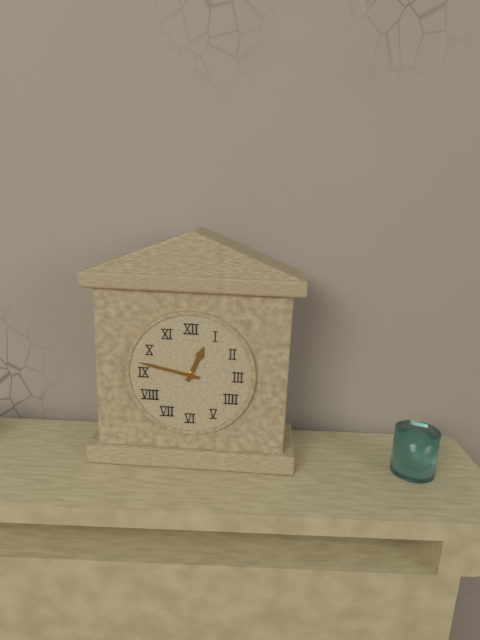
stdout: 12:47
